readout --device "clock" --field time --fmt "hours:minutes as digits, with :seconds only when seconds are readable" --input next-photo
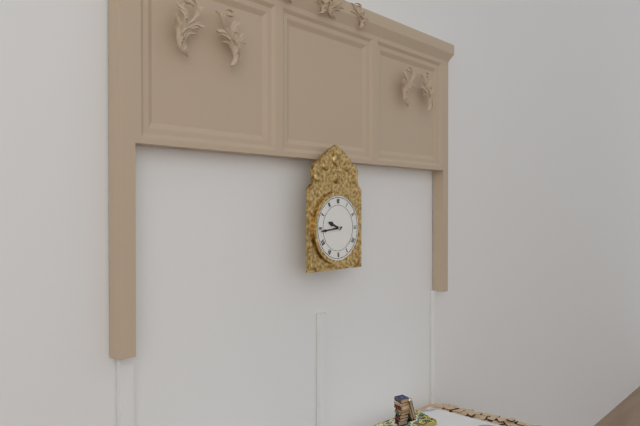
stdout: 9:44
